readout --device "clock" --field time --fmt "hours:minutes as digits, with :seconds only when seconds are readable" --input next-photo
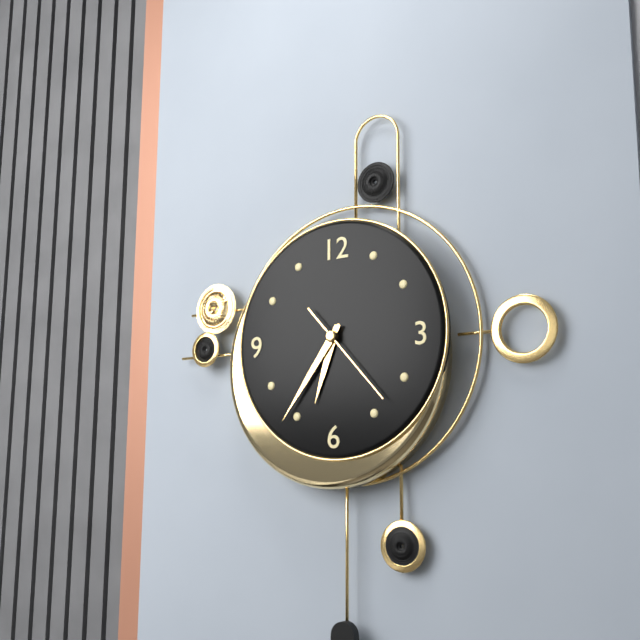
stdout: 6:36:23
